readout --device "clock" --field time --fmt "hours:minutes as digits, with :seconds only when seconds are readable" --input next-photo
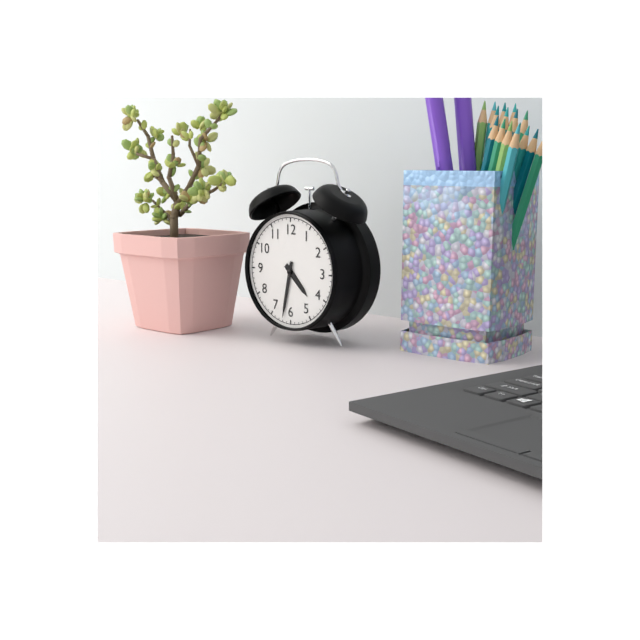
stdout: 4:32
